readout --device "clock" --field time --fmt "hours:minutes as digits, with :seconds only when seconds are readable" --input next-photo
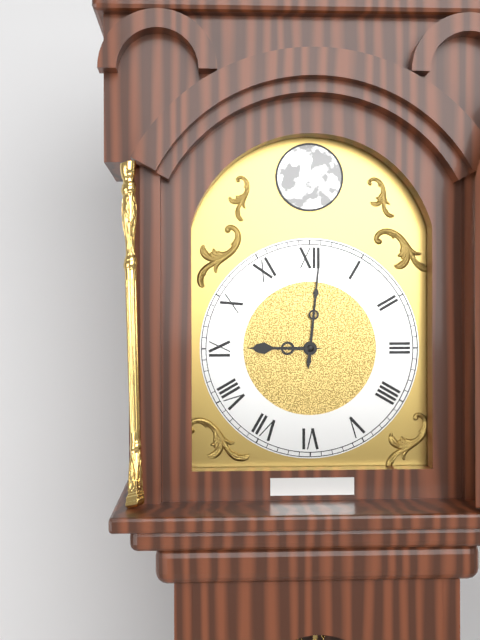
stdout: 9:01
